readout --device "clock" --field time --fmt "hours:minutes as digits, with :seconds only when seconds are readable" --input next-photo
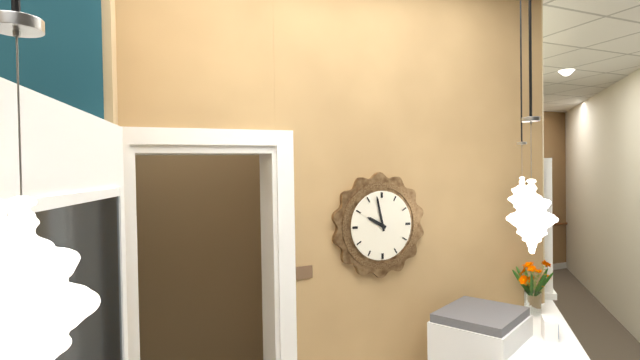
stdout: 9:58
